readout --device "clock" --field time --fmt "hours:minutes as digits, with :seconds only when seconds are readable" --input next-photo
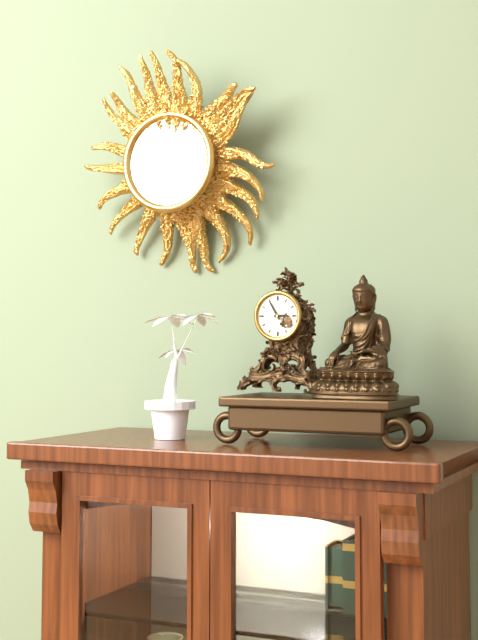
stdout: 2:55
